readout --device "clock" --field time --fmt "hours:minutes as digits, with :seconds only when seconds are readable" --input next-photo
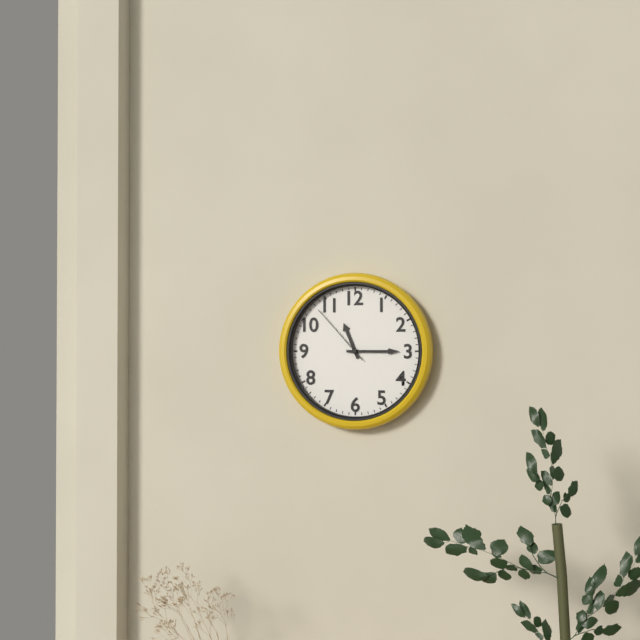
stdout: 11:15:53
